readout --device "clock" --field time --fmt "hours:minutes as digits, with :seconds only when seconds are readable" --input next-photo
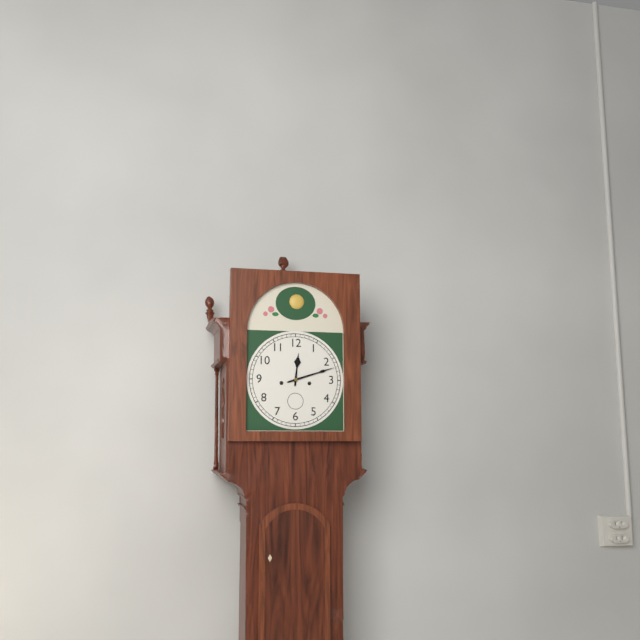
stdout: 12:12
